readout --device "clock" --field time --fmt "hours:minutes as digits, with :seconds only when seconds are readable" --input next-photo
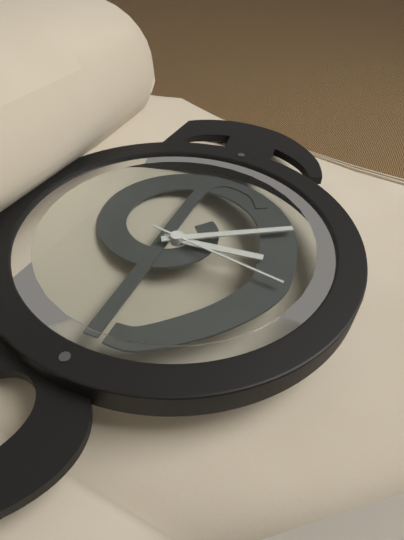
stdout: 8:39:46
